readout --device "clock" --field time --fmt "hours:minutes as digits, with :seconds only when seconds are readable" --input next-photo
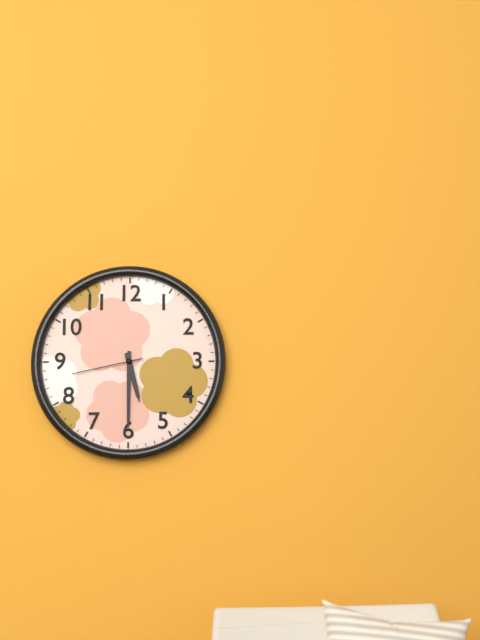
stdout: 5:30:43
